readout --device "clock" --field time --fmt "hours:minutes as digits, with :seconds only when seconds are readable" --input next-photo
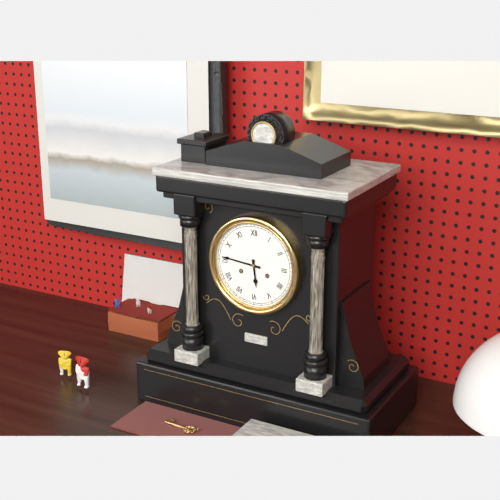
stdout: 5:46
